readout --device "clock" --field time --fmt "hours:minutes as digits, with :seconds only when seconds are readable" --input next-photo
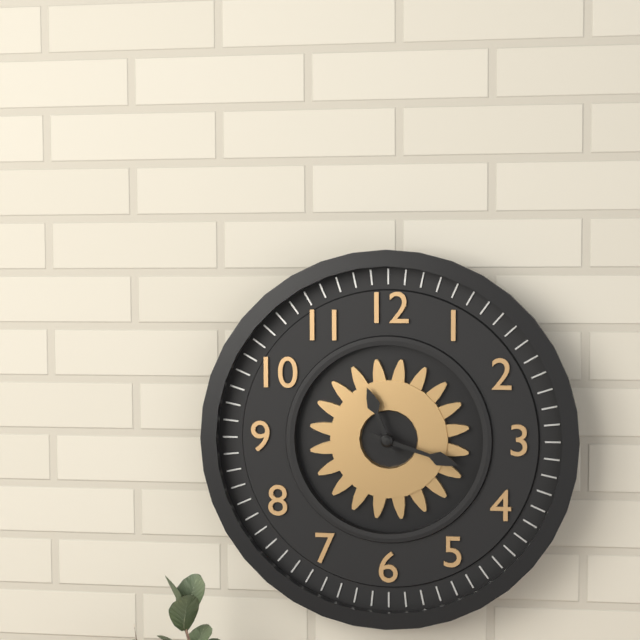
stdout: 11:18
